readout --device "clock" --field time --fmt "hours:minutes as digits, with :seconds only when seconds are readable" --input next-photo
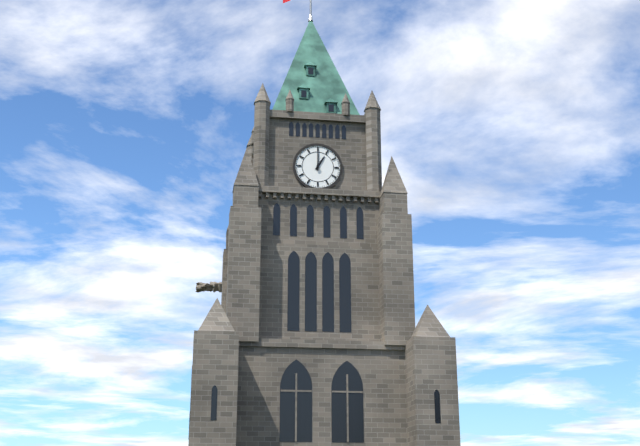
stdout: 1:00
